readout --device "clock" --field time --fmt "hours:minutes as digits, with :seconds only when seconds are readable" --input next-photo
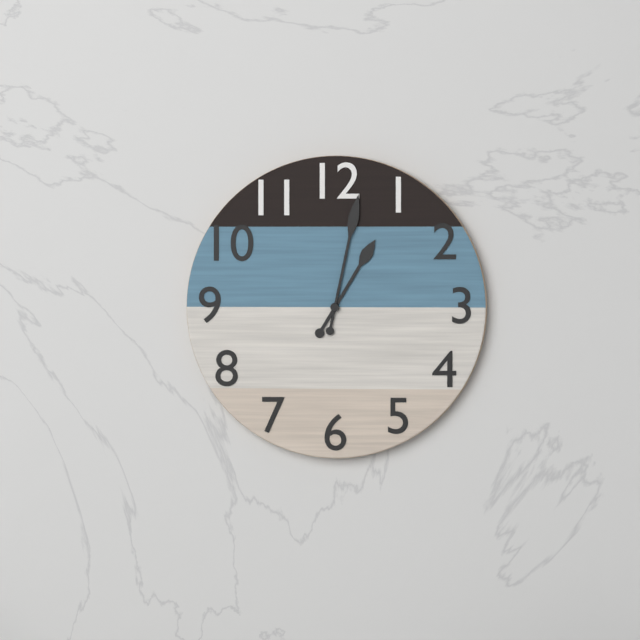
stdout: 1:02
